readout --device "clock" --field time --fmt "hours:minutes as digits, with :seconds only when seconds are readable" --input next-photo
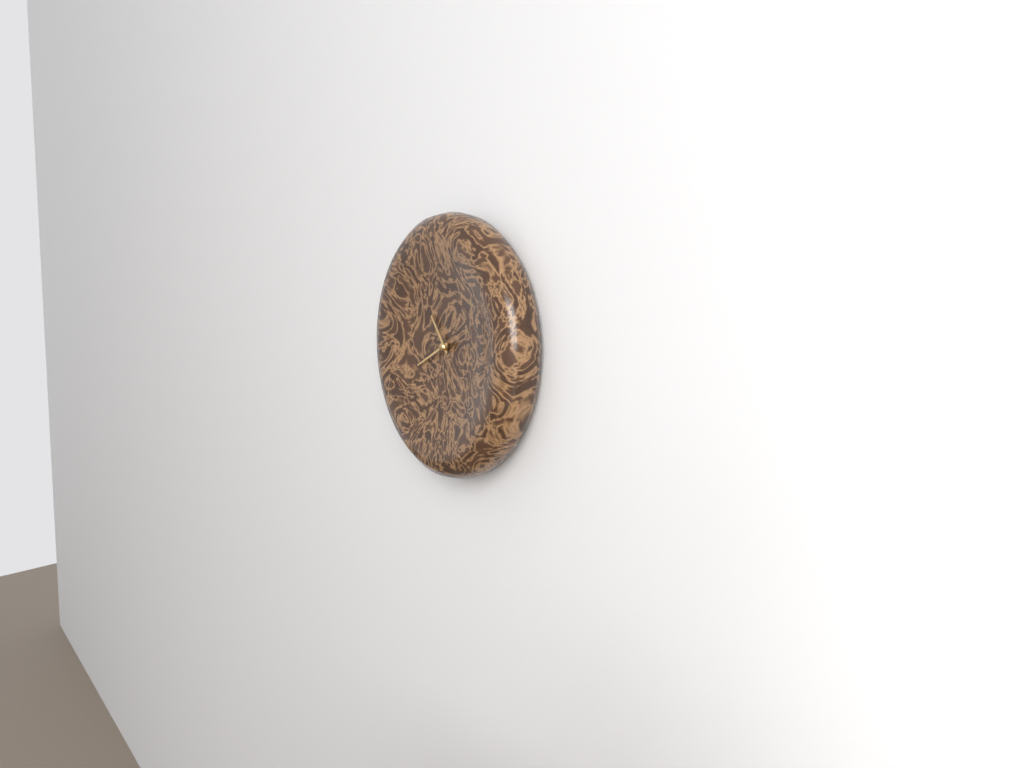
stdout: 10:41
